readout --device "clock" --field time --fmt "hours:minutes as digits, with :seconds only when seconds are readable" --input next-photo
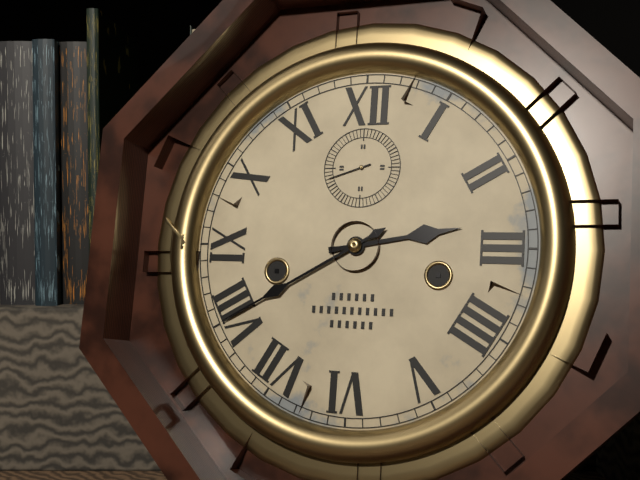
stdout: 2:40
